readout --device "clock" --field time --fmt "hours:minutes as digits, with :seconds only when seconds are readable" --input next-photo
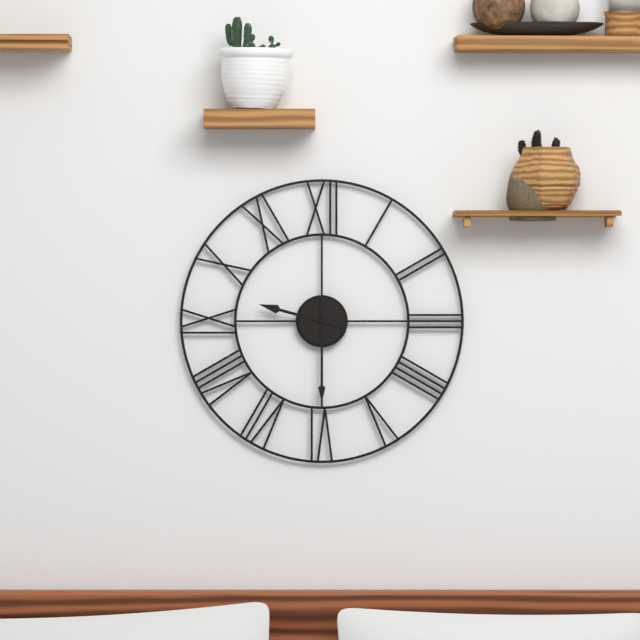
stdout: 9:30
